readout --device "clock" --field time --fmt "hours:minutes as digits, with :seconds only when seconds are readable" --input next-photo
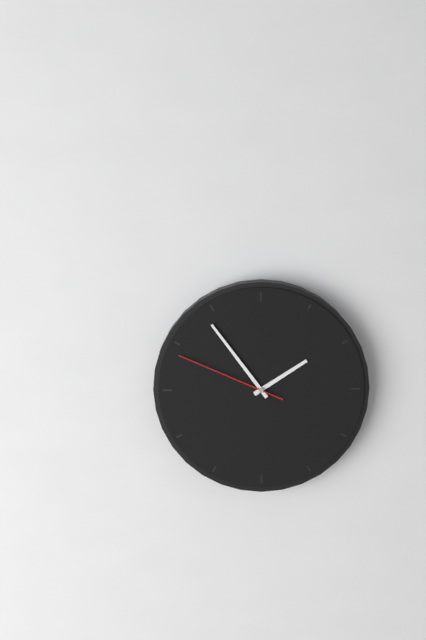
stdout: 1:54:49
